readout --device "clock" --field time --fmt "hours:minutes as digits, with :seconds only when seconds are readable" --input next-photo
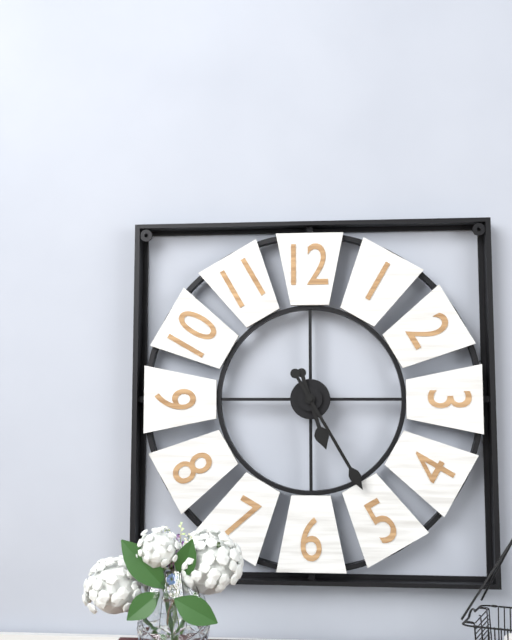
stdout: 5:25
